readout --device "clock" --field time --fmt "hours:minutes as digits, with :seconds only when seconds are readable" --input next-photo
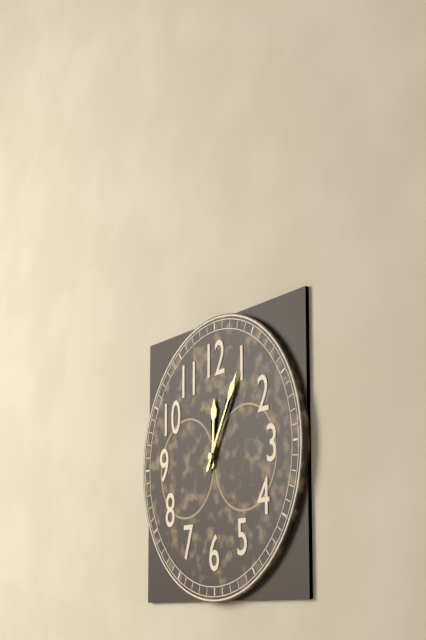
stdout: 12:05
